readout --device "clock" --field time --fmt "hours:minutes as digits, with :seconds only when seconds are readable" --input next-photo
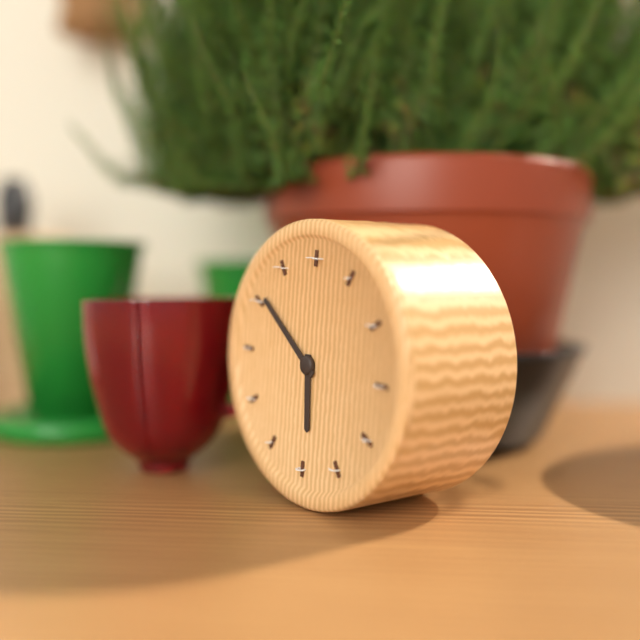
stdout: 5:51
